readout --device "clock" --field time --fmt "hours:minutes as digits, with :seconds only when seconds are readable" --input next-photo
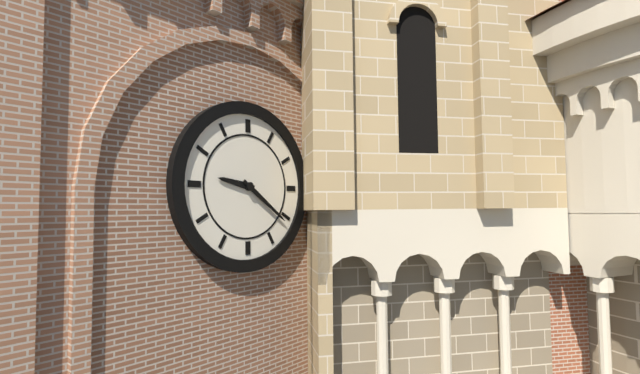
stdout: 9:21
